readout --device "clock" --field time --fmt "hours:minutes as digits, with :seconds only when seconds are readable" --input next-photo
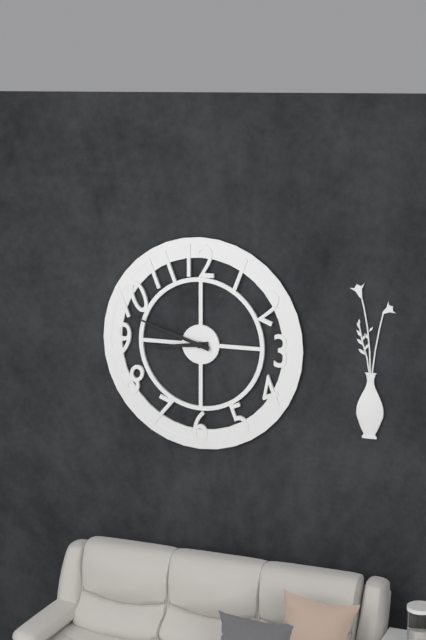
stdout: 8:48
